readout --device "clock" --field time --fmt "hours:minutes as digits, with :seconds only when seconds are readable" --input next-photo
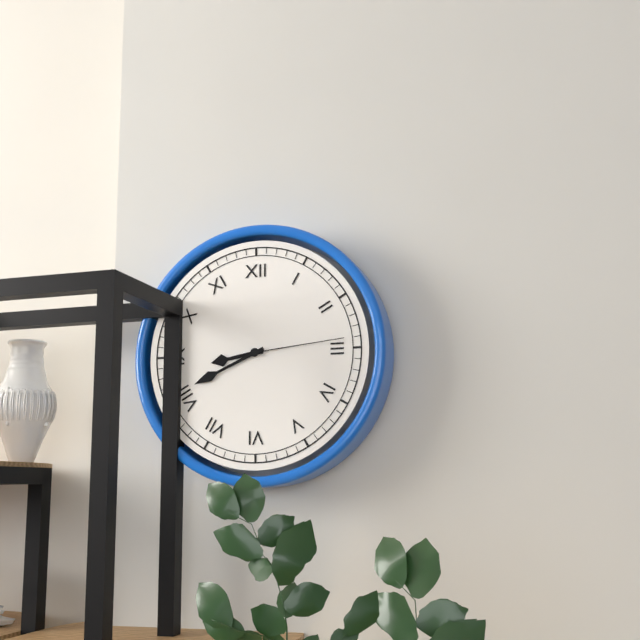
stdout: 8:41:14
